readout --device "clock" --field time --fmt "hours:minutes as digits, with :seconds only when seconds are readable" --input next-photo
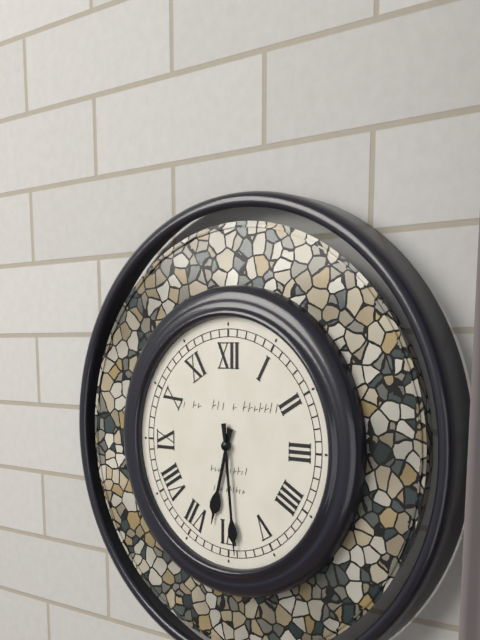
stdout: 6:29
